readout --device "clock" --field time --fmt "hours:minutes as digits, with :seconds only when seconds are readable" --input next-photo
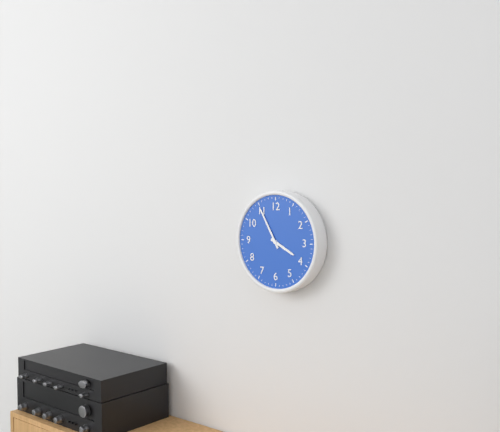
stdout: 3:55
